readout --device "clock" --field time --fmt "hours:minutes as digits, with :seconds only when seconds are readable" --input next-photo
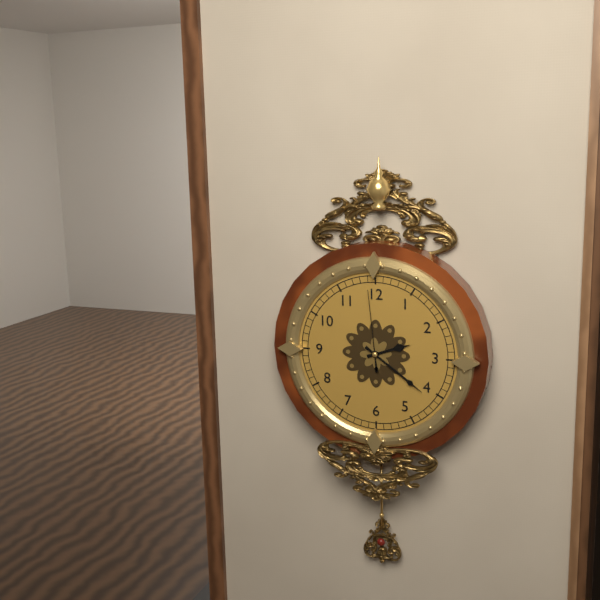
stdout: 2:21:59
